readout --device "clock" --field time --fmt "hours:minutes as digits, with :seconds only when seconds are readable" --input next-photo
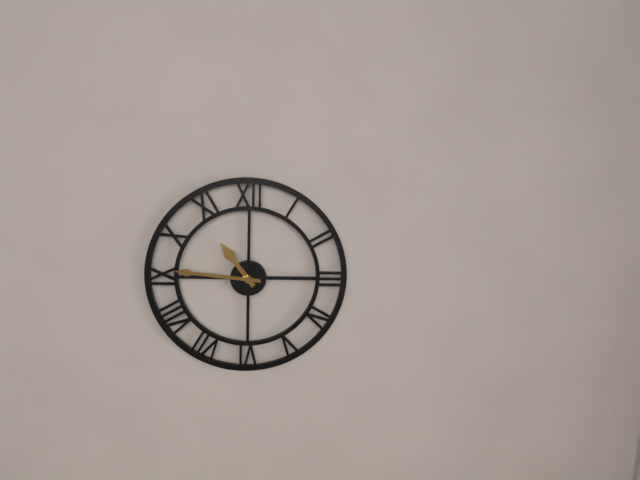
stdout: 10:46
